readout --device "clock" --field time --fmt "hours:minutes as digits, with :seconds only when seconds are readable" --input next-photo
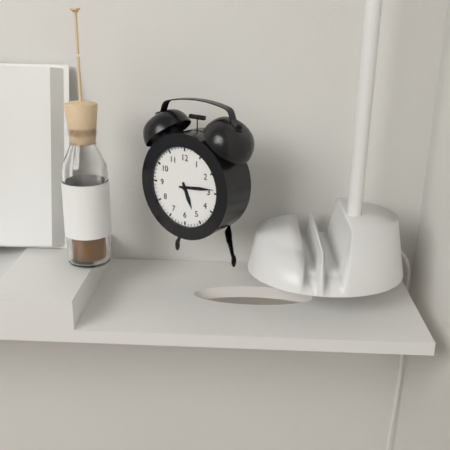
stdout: 5:14
